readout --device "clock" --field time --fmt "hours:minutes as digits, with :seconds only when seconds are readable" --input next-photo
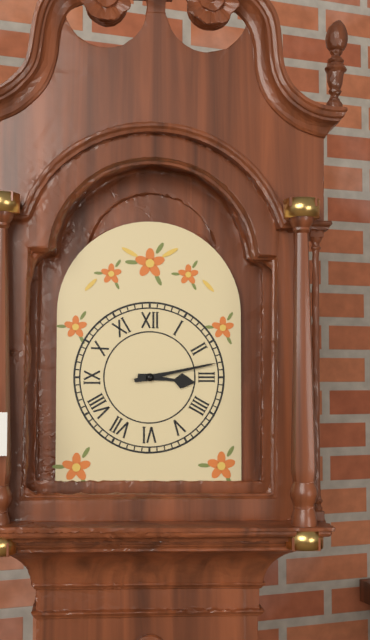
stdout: 3:13
